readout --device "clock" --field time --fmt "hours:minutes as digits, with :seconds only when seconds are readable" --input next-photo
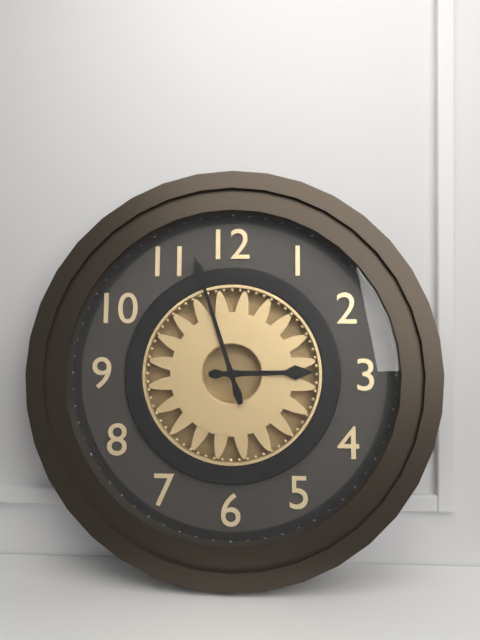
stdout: 2:57
